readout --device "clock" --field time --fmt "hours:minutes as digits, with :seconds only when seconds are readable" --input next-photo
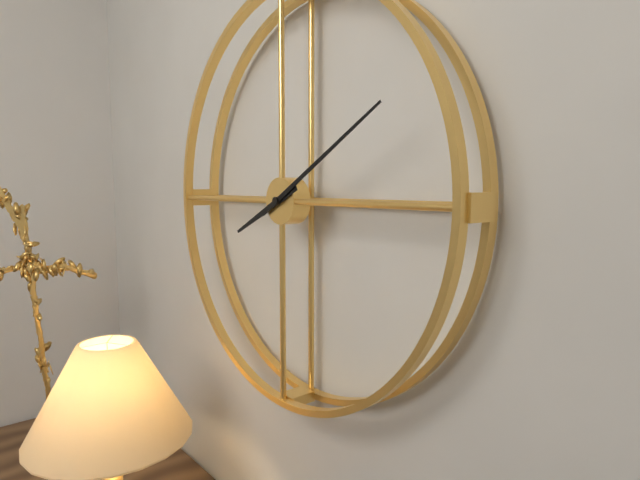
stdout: 8:10
